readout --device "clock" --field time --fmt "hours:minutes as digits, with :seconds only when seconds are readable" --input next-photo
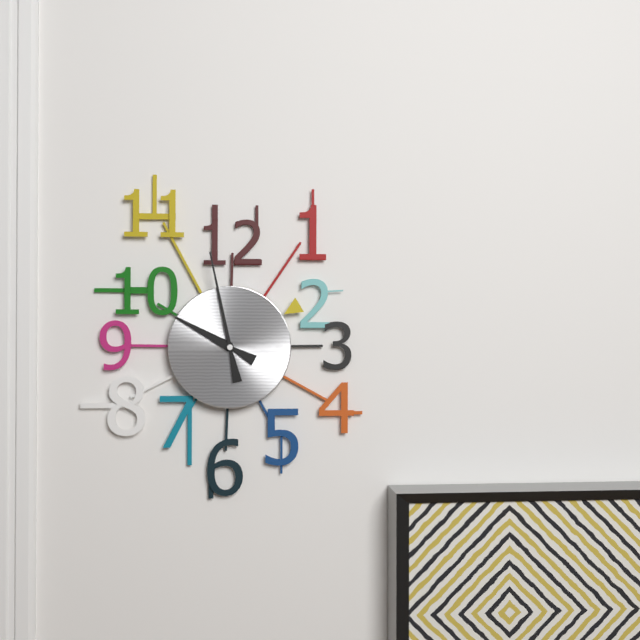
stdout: 9:58
